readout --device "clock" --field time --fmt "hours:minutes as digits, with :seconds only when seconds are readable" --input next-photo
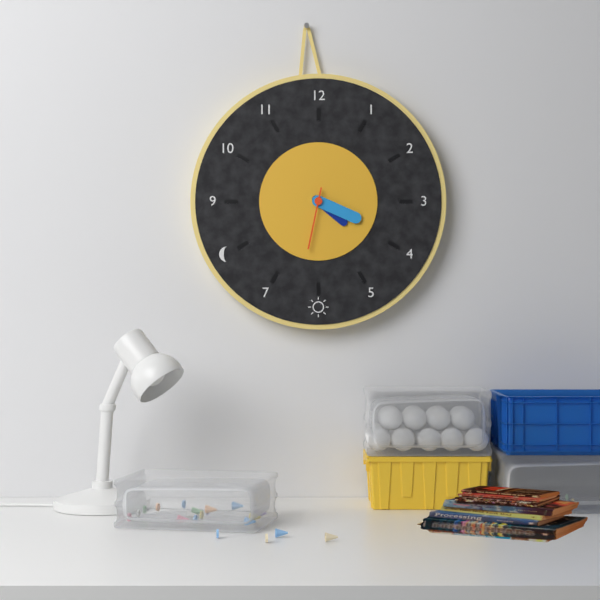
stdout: 4:19:32
